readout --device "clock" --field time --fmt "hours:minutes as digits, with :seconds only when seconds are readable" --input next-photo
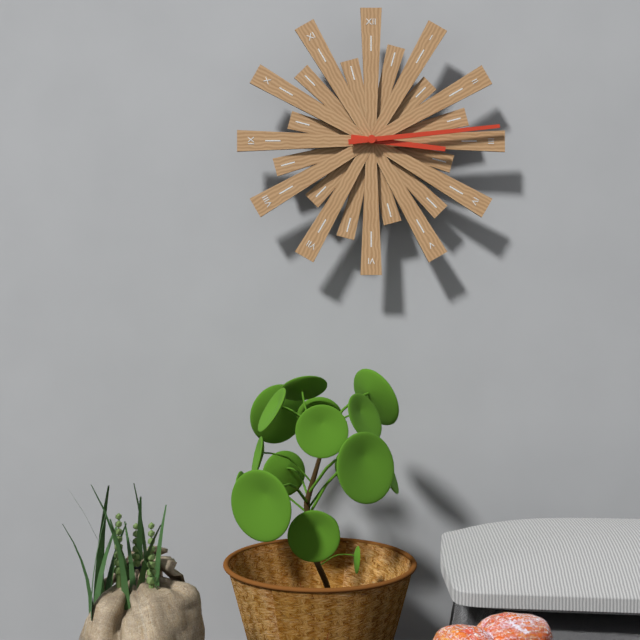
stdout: 3:14
